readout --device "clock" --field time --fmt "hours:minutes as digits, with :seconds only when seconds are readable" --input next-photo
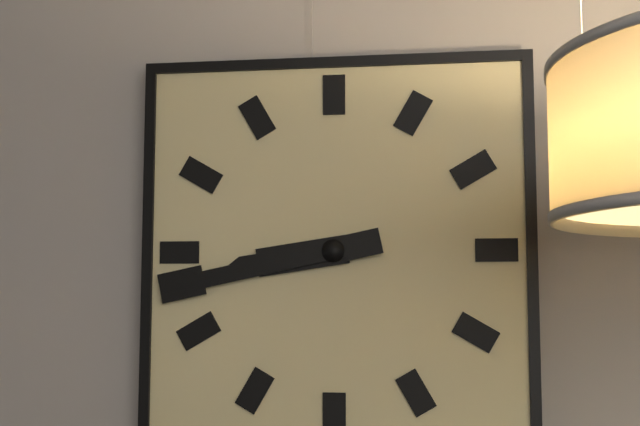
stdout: 8:43
